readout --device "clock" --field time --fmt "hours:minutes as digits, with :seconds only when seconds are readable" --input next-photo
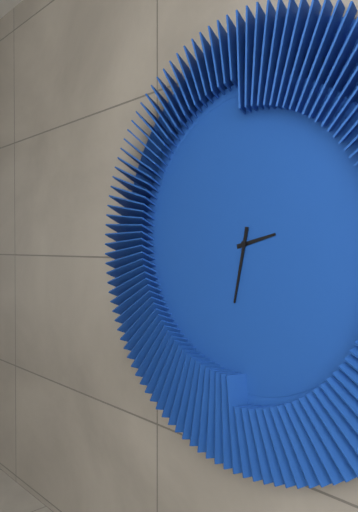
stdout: 2:32
